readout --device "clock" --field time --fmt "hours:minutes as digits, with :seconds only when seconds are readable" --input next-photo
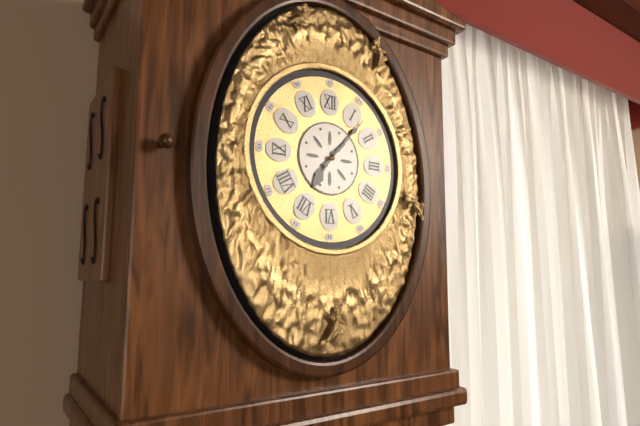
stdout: 7:07
